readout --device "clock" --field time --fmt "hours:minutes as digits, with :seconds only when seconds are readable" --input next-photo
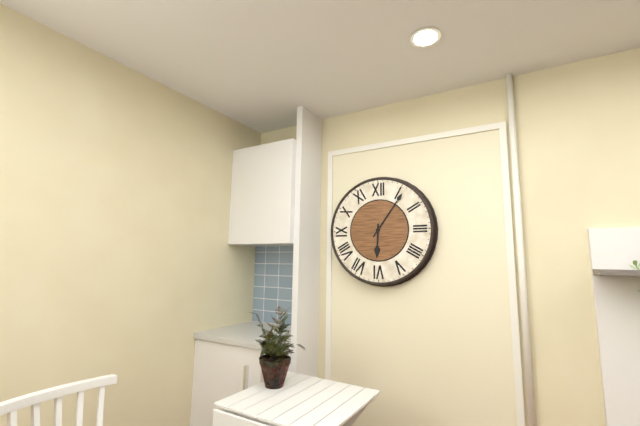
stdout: 6:06
